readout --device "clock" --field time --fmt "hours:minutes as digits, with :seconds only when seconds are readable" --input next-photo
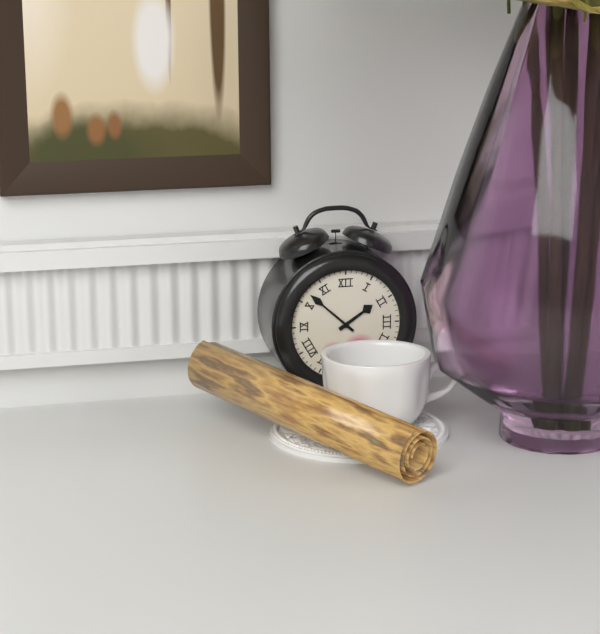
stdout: 1:52
